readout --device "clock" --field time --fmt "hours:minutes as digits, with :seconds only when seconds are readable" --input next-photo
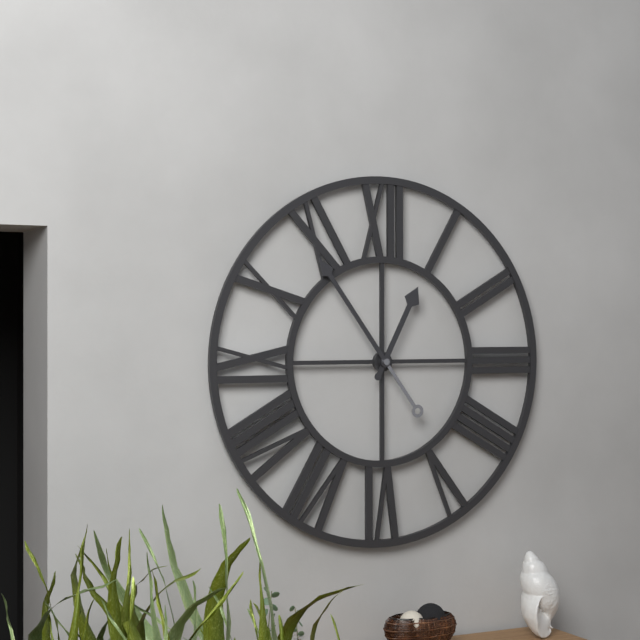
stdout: 12:54
